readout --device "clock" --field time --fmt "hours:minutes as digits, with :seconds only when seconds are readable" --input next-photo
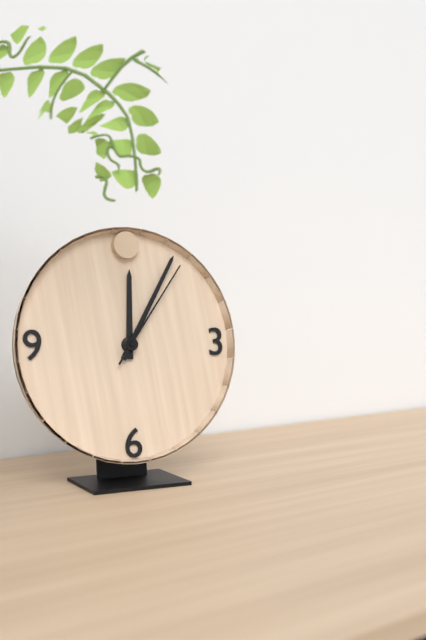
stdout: 12:05:06
